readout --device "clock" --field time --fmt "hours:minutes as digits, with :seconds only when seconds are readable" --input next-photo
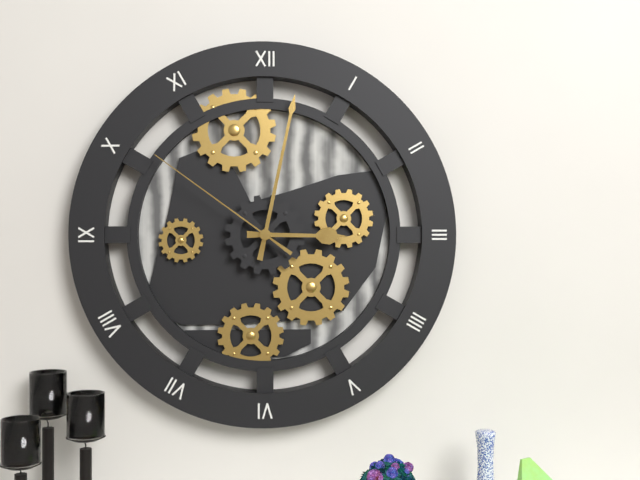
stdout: 3:02:51
